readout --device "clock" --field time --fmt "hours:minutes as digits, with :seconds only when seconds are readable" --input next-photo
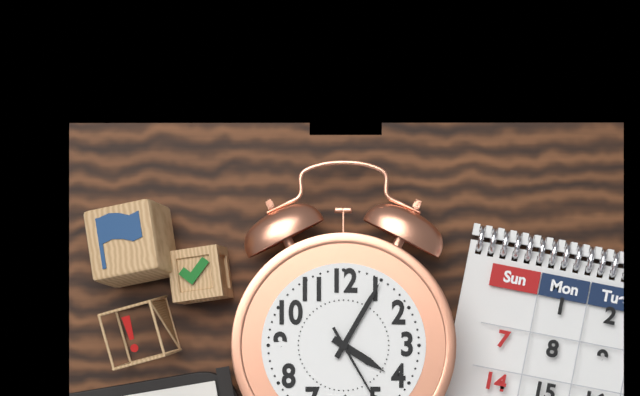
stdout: 4:05
